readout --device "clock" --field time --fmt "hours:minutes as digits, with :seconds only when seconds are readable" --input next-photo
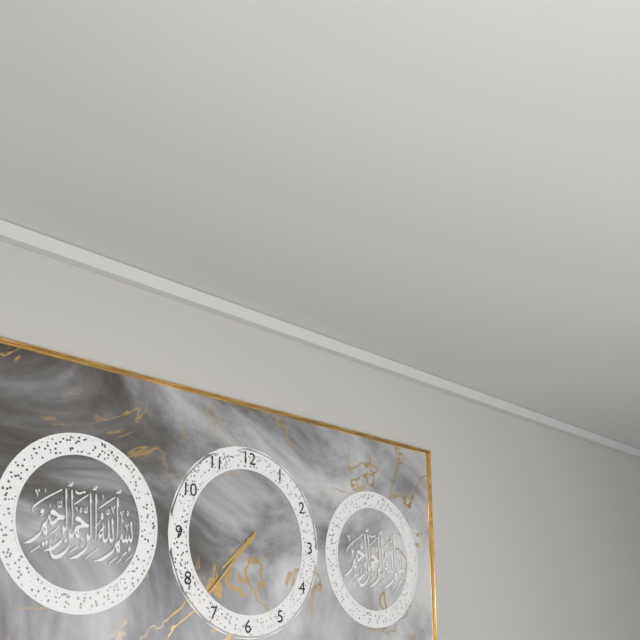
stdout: 7:37
